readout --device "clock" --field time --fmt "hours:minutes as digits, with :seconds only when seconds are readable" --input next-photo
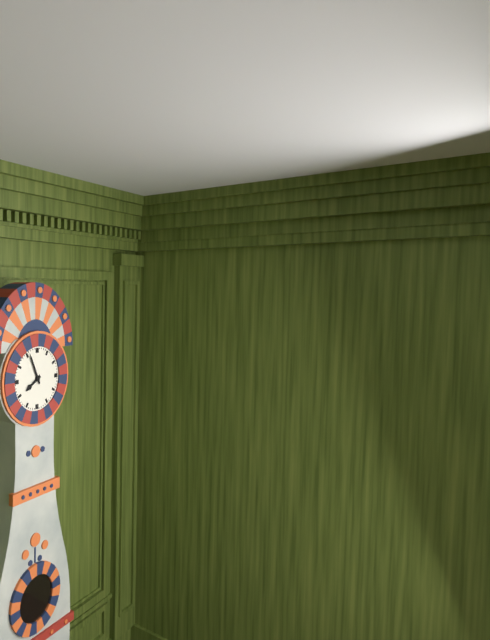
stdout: 7:56
